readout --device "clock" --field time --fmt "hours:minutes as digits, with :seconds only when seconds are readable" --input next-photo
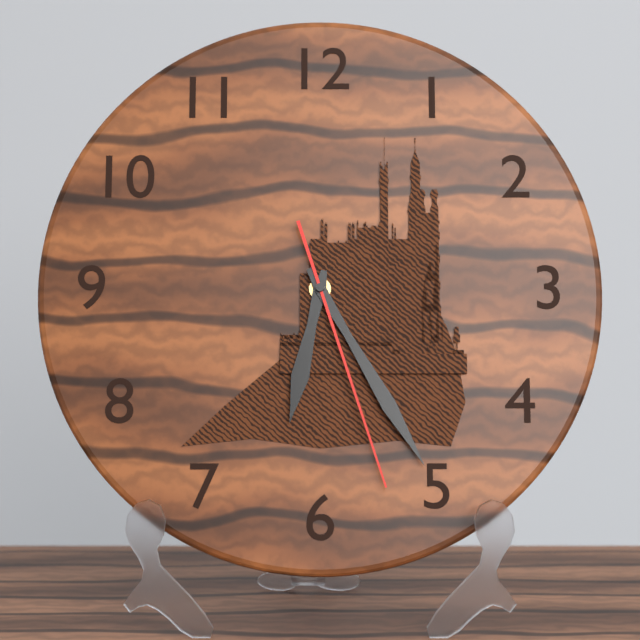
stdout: 6:25:27
